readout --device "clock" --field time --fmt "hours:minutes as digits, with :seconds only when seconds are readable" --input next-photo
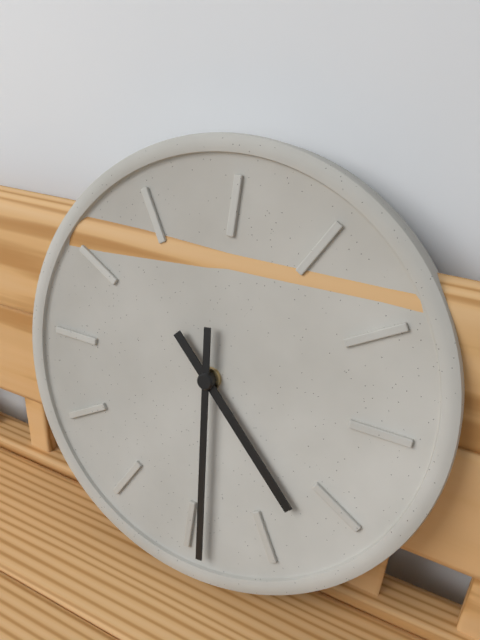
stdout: 4:29
